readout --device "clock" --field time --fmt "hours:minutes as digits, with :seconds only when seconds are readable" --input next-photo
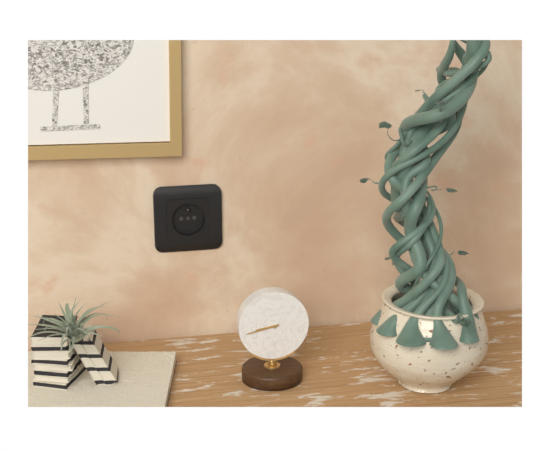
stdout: 8:43
